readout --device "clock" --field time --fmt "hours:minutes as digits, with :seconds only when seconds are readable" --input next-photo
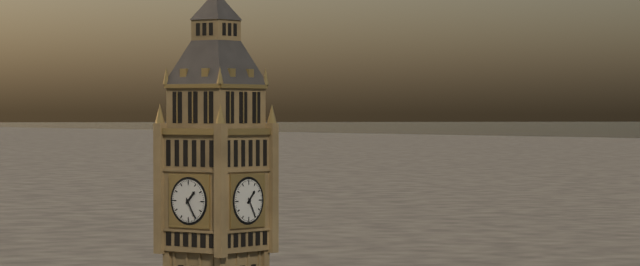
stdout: 1:25
